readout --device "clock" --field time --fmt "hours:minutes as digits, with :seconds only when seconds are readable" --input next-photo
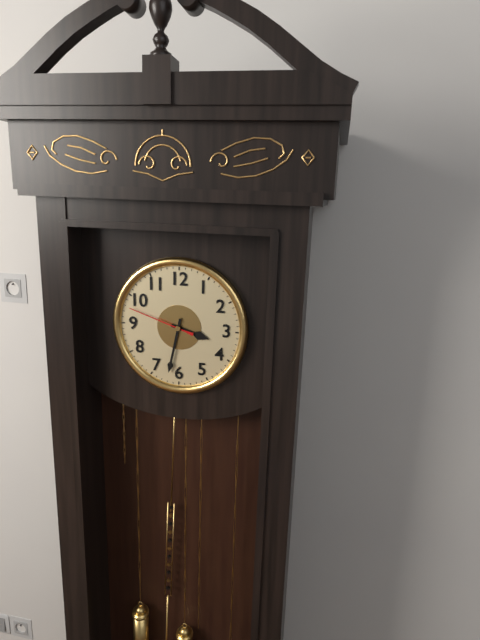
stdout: 3:32:48
